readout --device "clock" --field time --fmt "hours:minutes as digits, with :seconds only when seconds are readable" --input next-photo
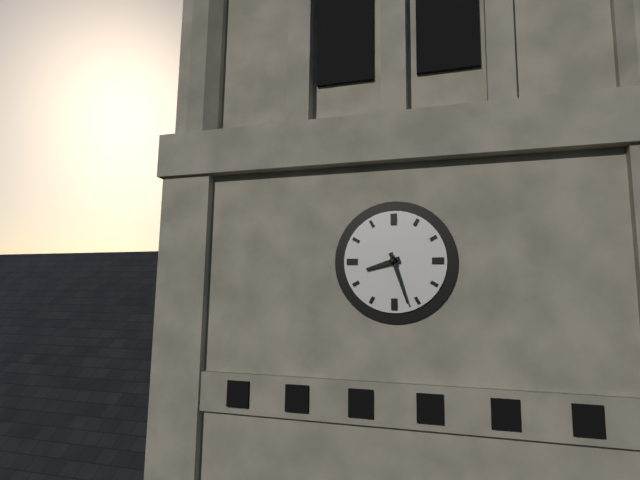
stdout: 8:27
